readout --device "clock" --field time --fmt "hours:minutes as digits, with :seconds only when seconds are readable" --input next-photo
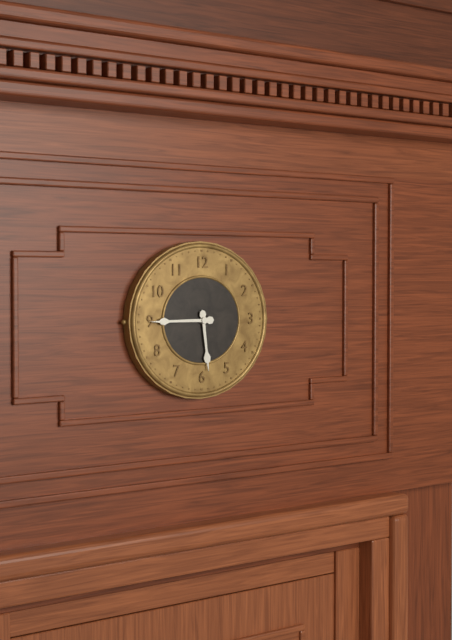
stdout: 5:45
